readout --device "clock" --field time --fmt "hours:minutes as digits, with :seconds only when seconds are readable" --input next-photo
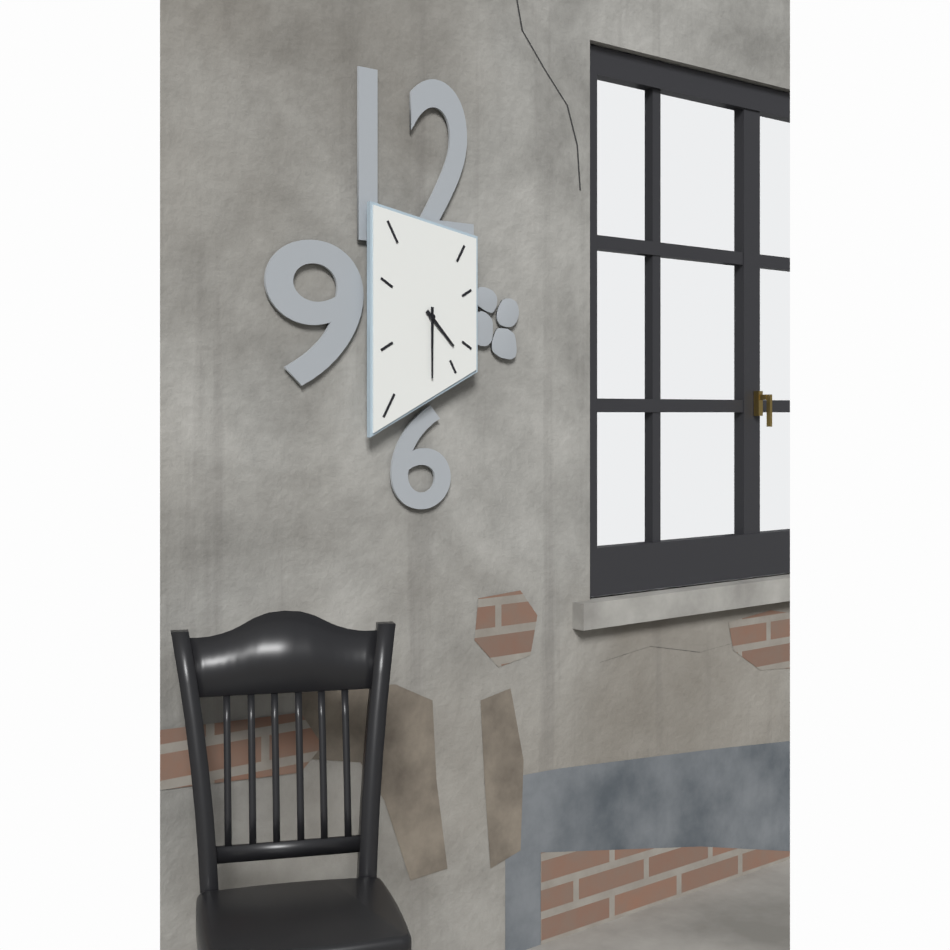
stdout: 4:30
